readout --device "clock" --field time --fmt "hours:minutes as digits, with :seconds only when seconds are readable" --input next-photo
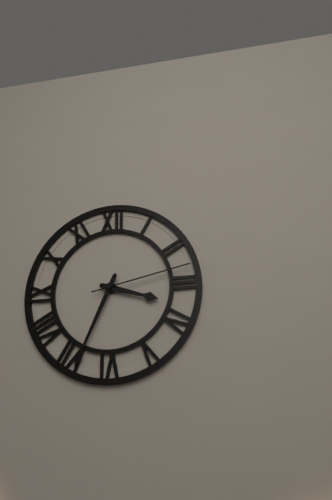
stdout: 3:34:13
